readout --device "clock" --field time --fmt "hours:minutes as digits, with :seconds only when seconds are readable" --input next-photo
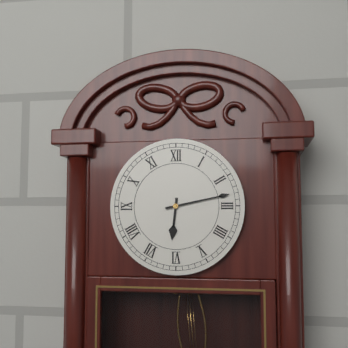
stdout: 6:13
